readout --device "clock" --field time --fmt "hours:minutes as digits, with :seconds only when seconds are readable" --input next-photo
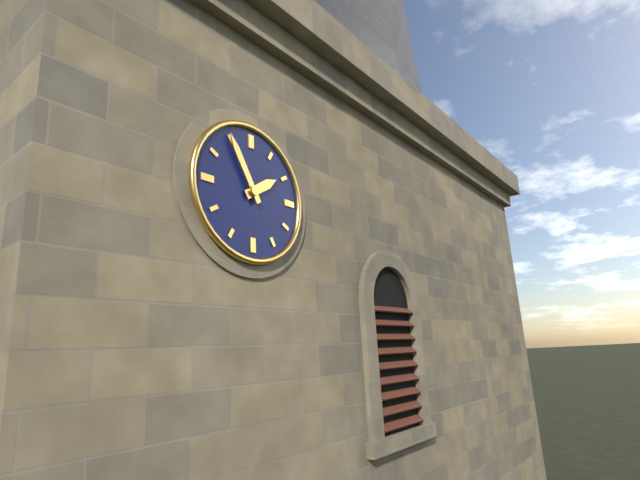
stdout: 1:55
